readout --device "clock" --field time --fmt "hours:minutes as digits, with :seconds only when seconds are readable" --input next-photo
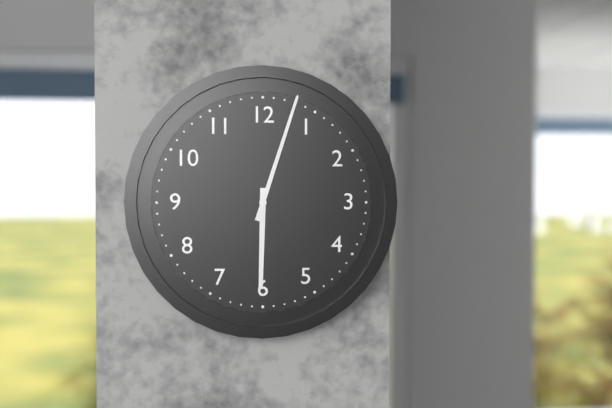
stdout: 6:03
